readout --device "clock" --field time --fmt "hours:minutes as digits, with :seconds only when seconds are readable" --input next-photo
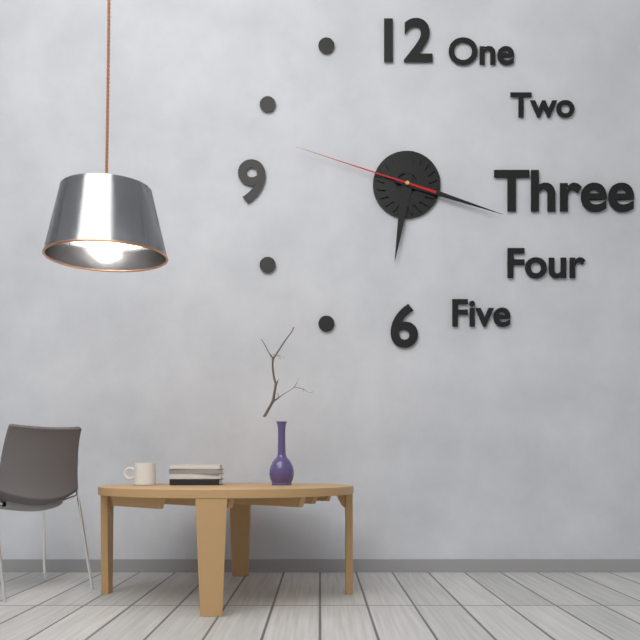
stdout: 6:18:48
